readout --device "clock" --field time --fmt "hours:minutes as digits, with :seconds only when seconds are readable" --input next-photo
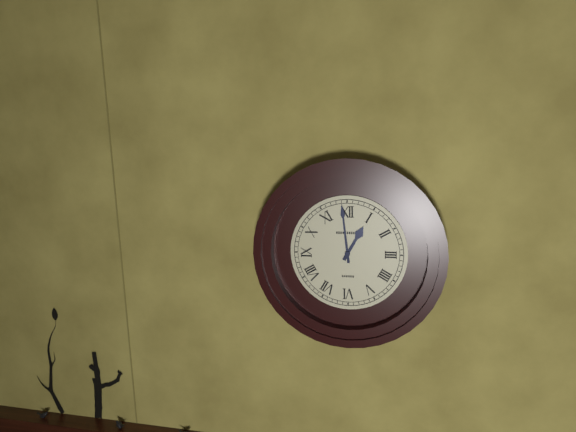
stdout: 12:59
